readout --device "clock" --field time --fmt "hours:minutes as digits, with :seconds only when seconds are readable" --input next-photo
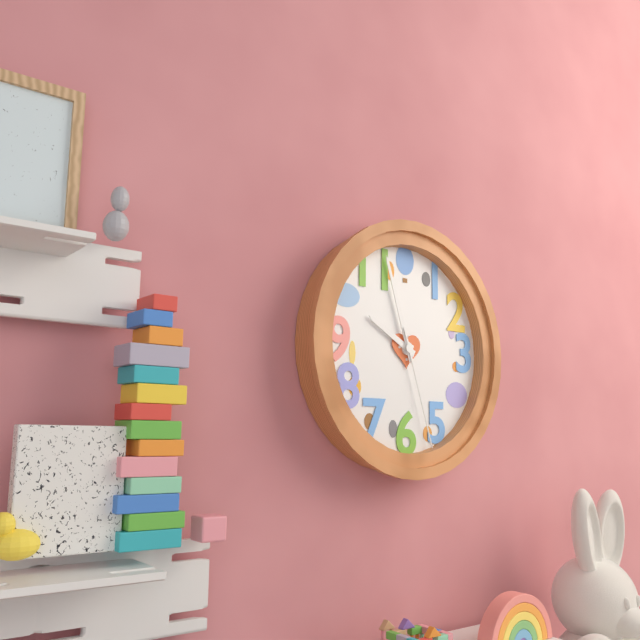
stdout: 9:57:27
